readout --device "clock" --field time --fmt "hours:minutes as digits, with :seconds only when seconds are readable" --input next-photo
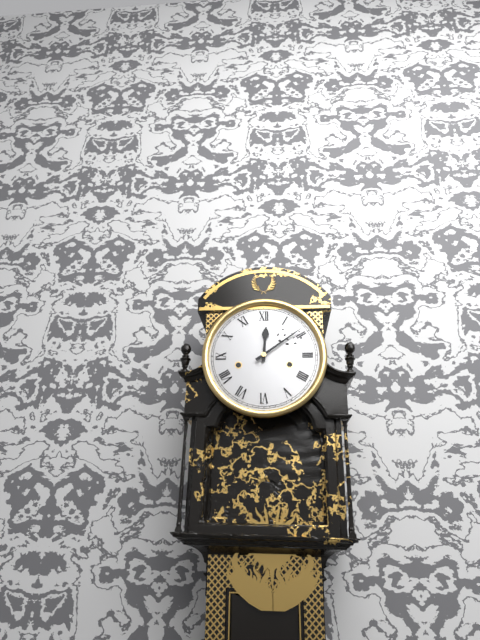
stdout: 12:09
